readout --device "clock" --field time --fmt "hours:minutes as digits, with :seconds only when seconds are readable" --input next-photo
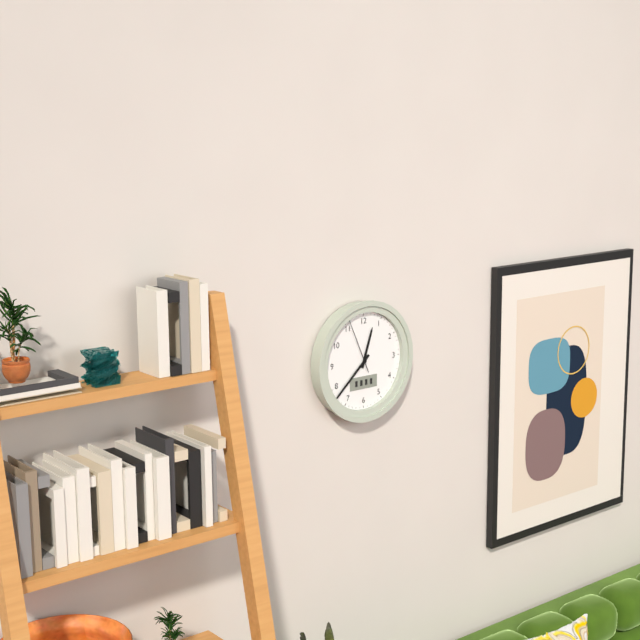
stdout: 12:38:56
